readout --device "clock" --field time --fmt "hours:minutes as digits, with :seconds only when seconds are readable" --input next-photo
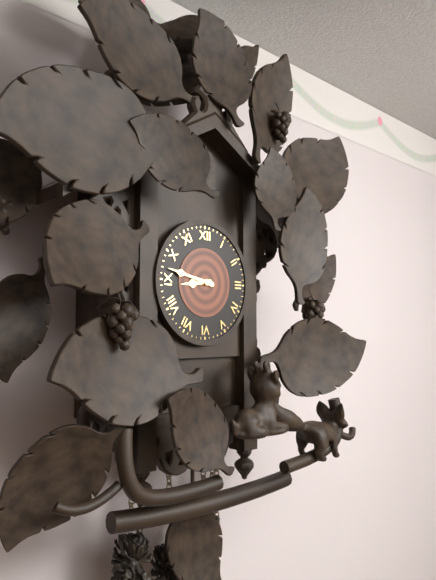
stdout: 8:47
